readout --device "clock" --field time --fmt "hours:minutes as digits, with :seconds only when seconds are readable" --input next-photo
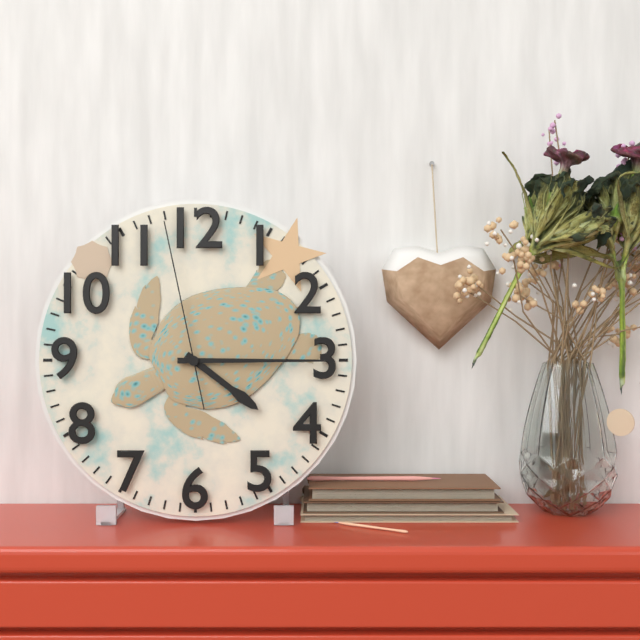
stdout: 4:15:58
